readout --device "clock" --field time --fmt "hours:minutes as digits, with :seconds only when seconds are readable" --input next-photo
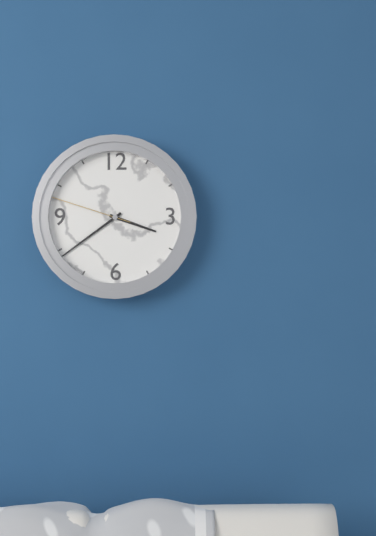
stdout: 3:39:48
